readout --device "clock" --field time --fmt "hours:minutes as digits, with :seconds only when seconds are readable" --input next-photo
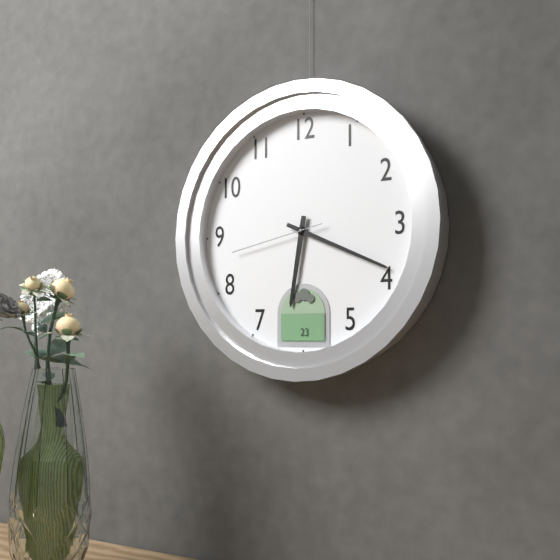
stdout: 6:19:43
